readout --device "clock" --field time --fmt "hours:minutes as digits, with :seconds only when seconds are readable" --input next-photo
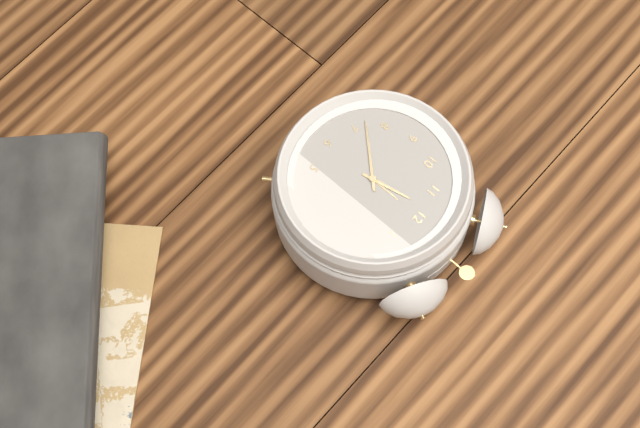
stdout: 11:37
